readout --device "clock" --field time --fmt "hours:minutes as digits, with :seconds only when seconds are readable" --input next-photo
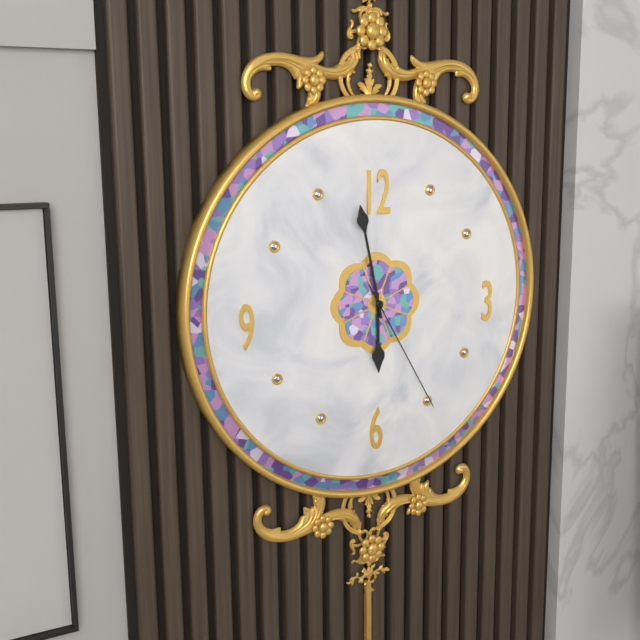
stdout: 5:58:25
